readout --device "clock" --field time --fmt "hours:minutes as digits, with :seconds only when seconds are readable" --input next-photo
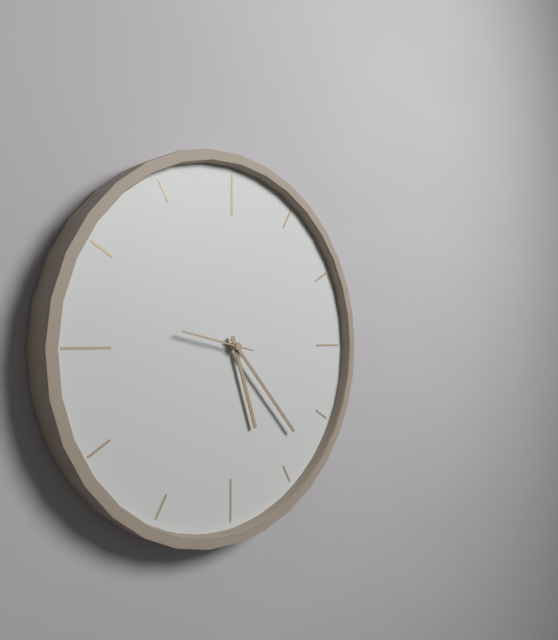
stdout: 5:23:47
